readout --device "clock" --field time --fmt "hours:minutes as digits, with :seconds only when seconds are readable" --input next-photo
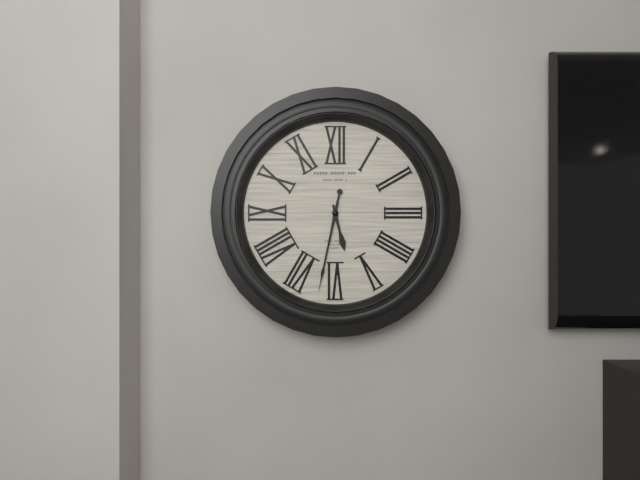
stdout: 5:32
